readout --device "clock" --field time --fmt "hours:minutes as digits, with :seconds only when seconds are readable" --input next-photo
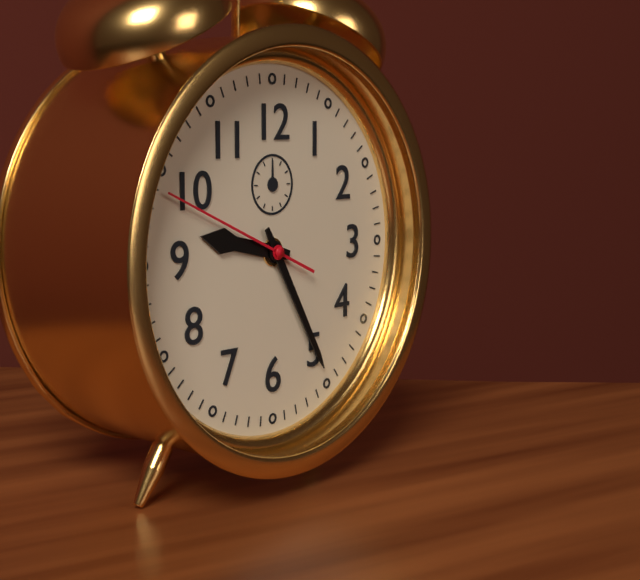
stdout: 9:25:49
